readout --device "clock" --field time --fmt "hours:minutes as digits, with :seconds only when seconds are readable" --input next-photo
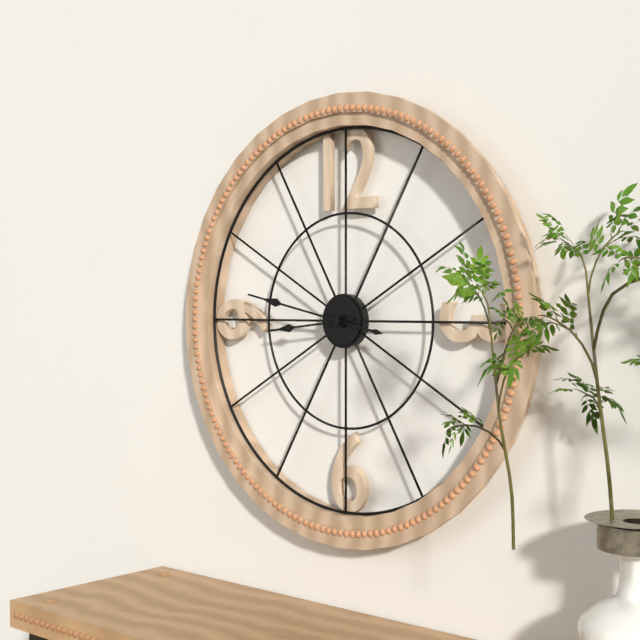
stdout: 8:47
